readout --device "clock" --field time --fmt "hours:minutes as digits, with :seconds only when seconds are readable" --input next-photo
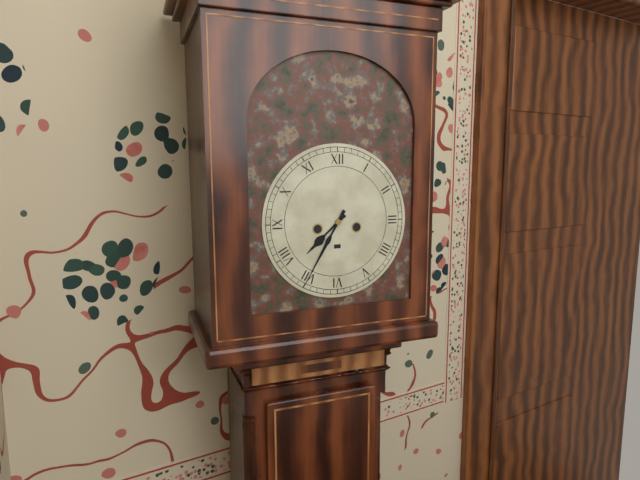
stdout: 7:35
